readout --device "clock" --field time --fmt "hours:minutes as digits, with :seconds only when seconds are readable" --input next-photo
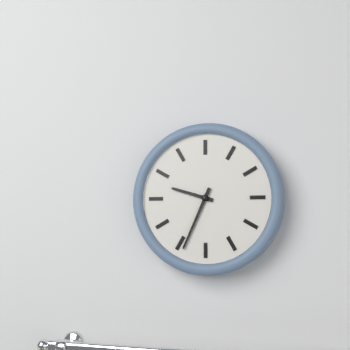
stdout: 9:34
